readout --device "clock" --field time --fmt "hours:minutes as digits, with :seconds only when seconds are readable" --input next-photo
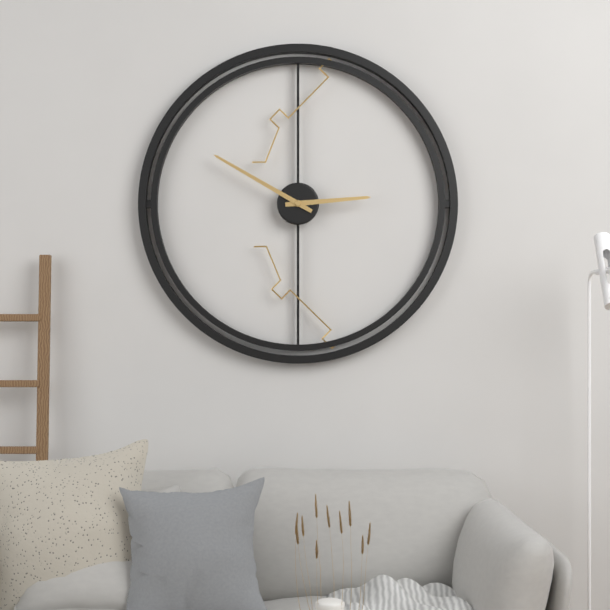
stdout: 2:50
